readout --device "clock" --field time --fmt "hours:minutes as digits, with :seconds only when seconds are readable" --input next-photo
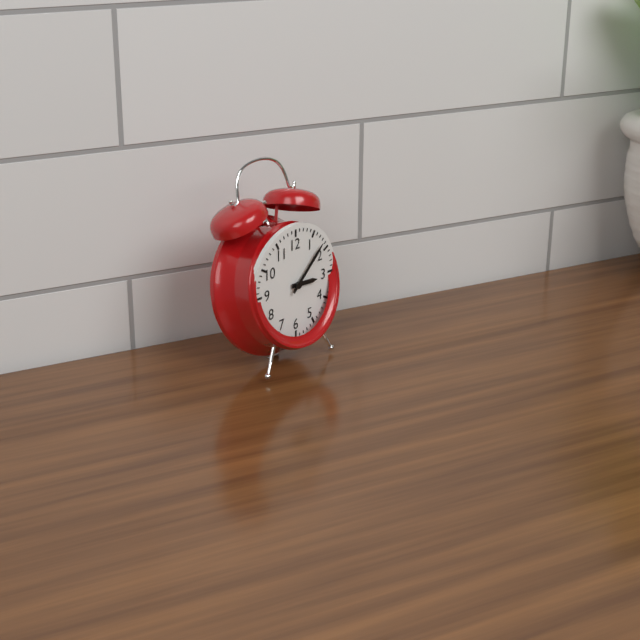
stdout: 3:08
